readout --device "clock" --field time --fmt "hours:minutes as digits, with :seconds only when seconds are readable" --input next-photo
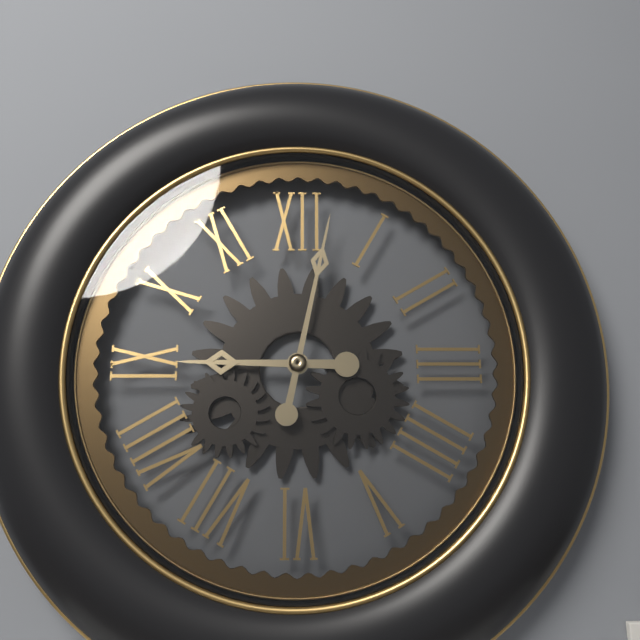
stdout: 9:02
